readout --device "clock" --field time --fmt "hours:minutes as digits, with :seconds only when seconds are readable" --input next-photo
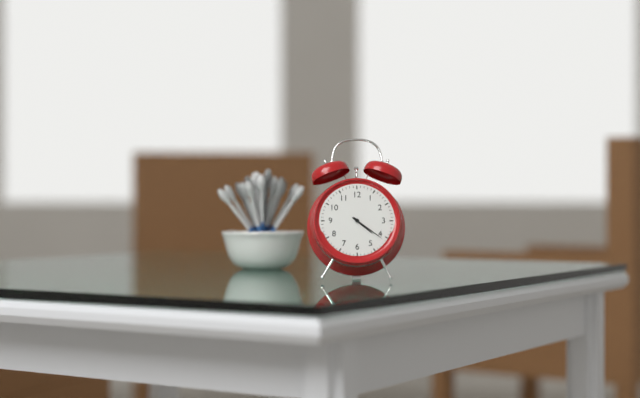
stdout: 4:21
